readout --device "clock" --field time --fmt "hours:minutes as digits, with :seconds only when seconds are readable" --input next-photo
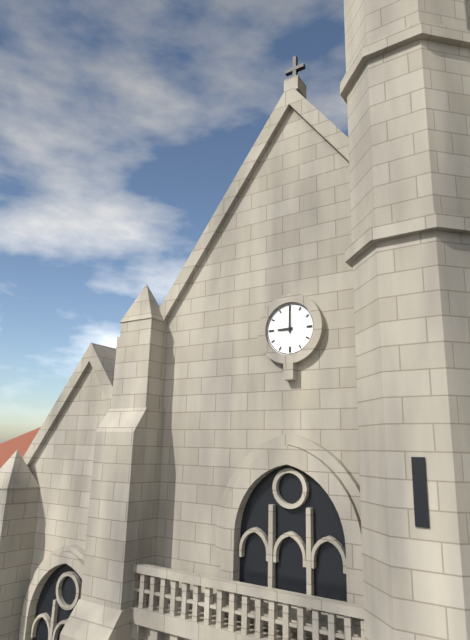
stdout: 9:00
